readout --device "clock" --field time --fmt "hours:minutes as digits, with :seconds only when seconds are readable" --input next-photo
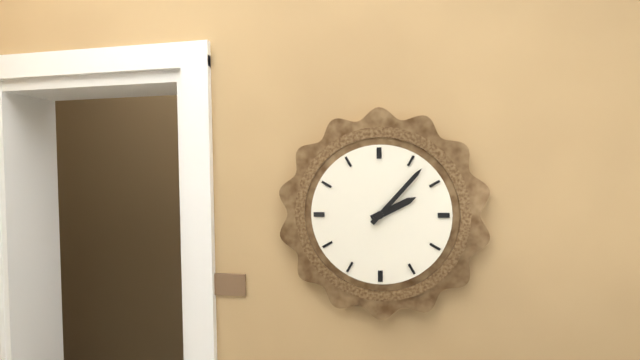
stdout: 2:07
